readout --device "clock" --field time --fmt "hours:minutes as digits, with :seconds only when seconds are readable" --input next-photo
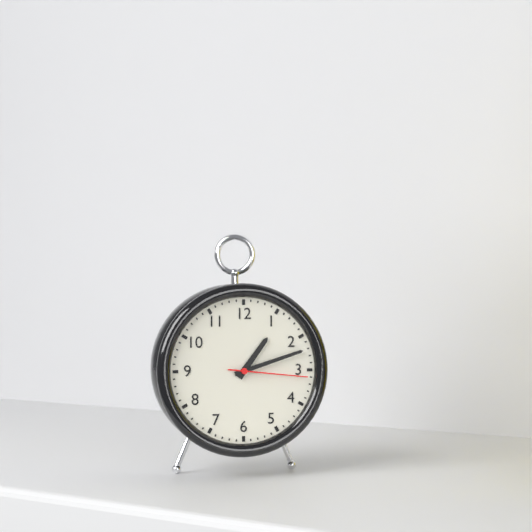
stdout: 1:12:16
